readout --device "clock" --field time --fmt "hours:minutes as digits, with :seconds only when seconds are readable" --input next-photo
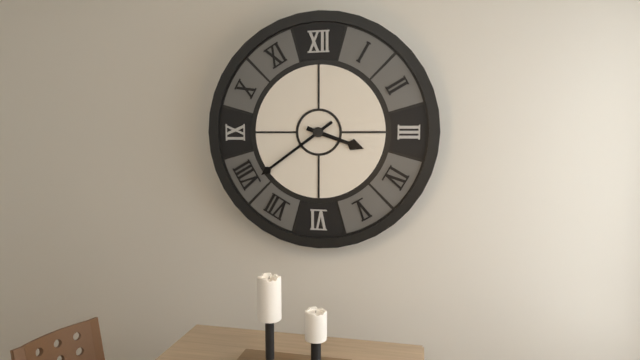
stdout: 3:39
